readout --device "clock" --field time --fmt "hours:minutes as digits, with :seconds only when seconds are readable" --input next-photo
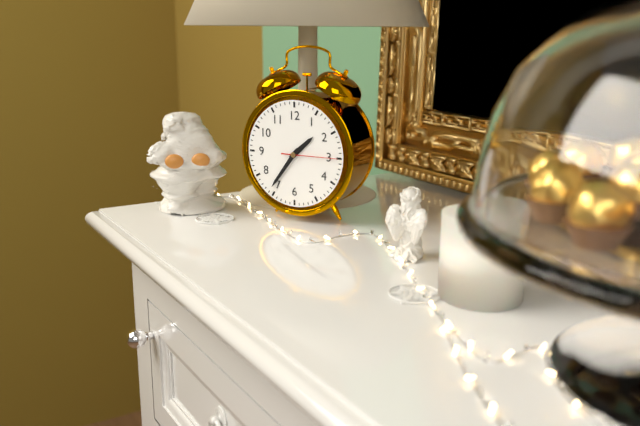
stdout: 1:36:15
